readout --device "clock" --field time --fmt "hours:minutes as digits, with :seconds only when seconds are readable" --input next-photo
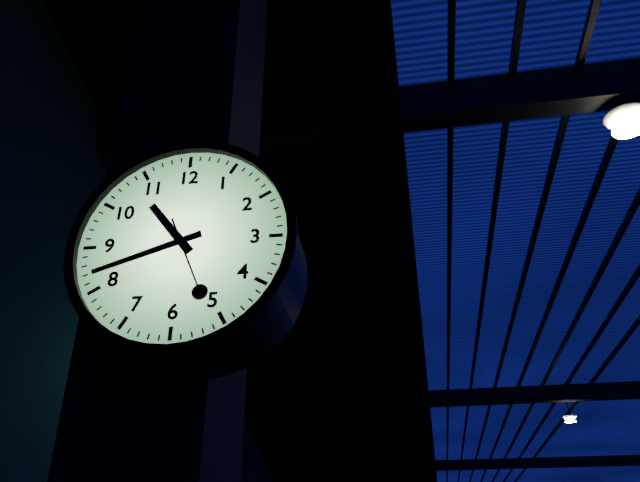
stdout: 10:42:26
